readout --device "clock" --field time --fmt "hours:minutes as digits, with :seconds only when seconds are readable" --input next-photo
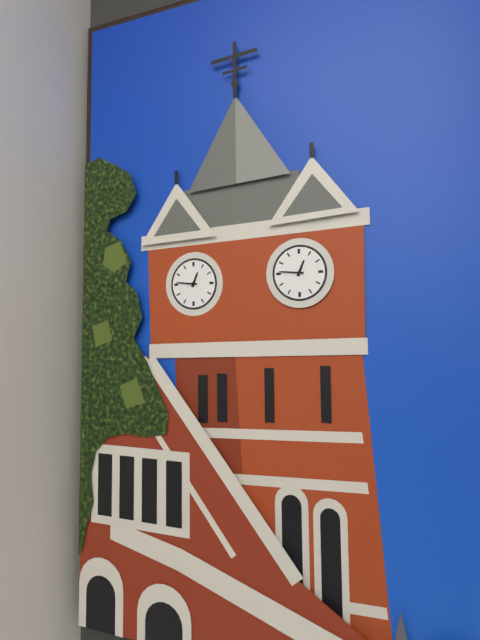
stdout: 12:46
